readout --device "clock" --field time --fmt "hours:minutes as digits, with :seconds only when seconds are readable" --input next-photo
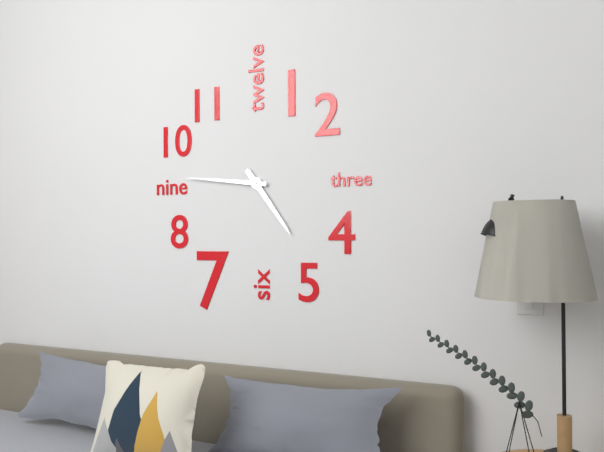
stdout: 4:46
